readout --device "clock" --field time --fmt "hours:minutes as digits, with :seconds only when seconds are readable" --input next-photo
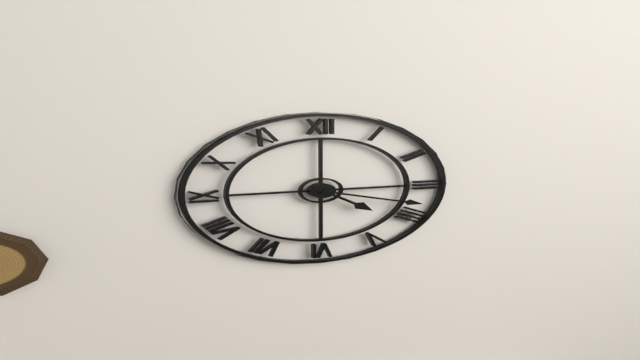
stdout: 4:18
